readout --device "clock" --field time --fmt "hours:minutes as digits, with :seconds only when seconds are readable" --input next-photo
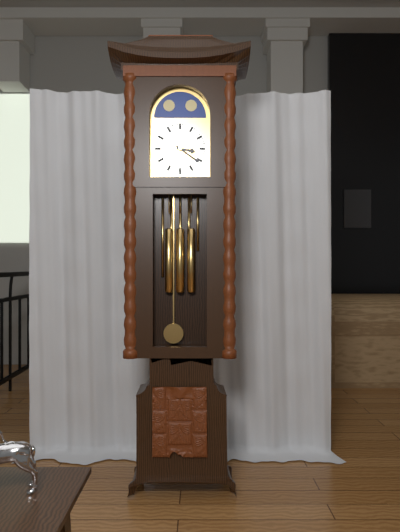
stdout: 3:21
